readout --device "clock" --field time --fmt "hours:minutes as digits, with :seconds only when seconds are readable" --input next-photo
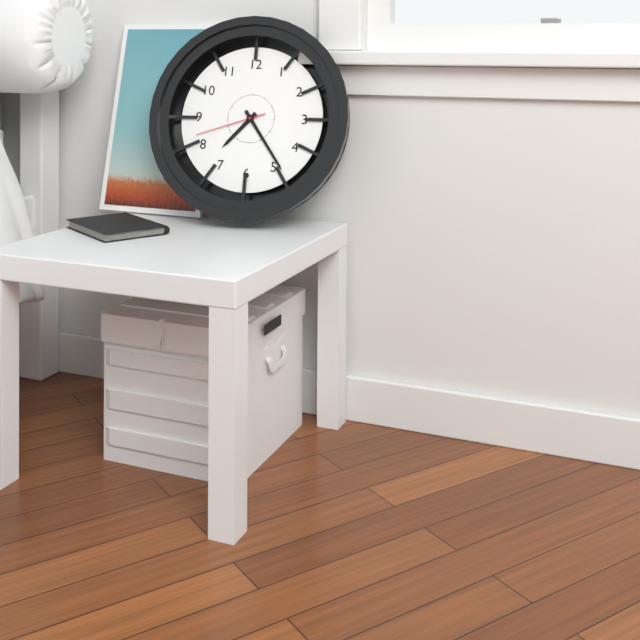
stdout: 7:24:42
